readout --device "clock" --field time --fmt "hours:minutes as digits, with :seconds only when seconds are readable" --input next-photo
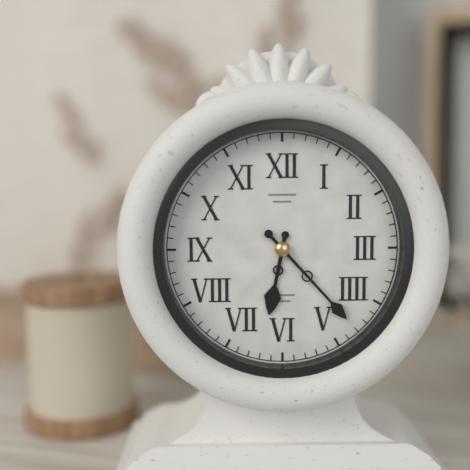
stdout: 6:23
